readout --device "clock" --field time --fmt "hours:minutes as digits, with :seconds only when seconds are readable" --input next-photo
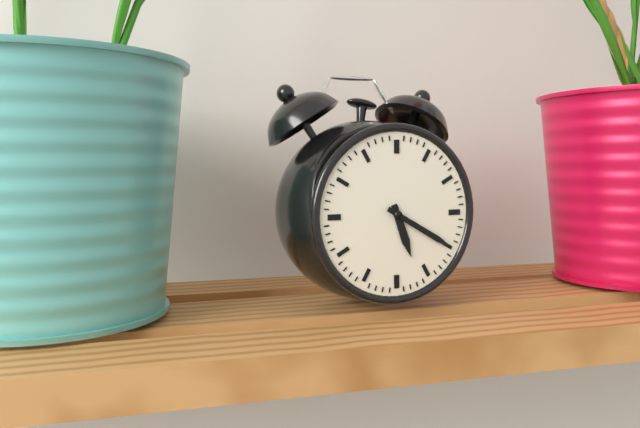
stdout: 5:20
